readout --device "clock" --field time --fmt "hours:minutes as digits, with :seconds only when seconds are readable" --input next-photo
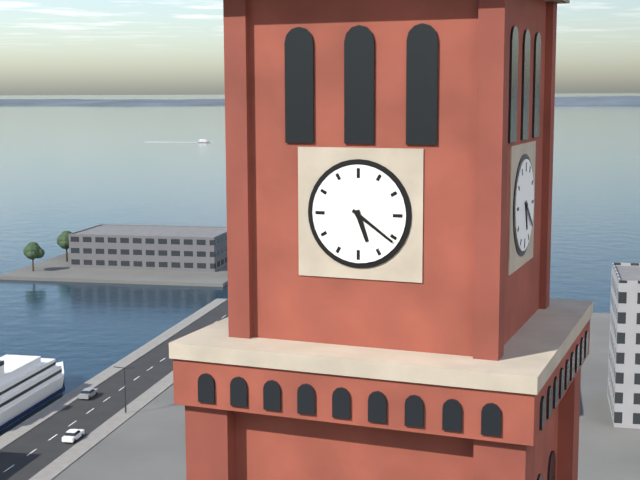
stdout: 5:21
